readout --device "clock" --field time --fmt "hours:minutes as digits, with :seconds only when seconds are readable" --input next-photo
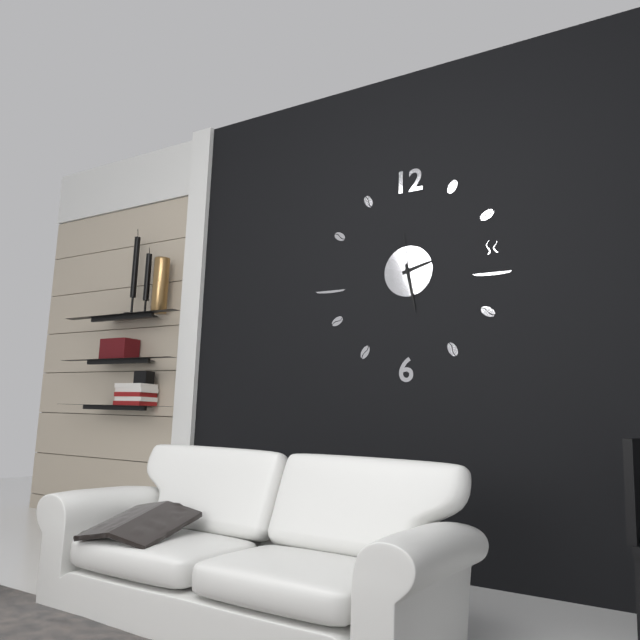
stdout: 2:28
